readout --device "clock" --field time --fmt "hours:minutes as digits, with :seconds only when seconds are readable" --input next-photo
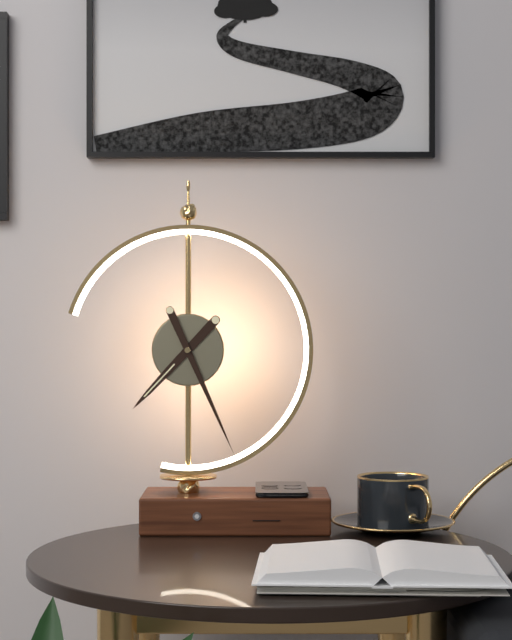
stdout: 7:26
